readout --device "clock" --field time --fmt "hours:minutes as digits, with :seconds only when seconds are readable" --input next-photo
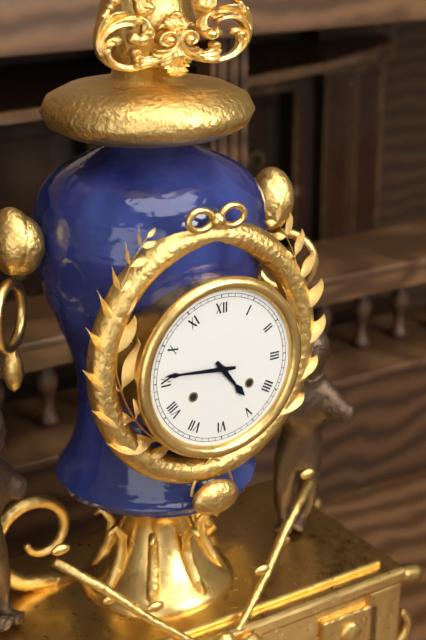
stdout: 4:46
